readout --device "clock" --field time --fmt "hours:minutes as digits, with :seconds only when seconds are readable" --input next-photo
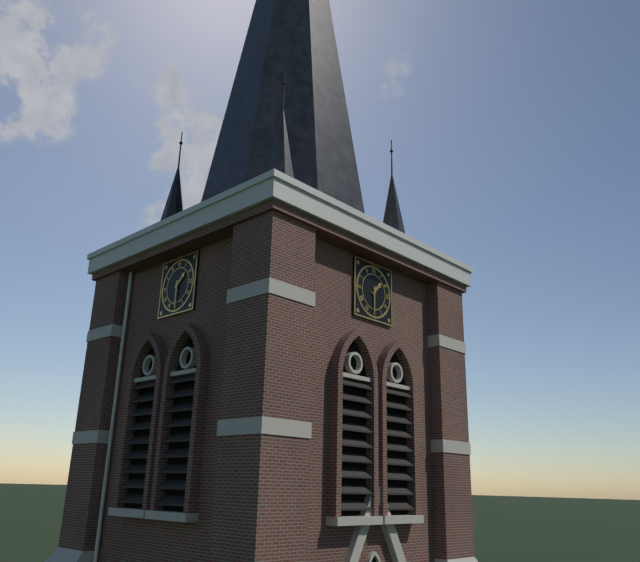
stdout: 1:30
